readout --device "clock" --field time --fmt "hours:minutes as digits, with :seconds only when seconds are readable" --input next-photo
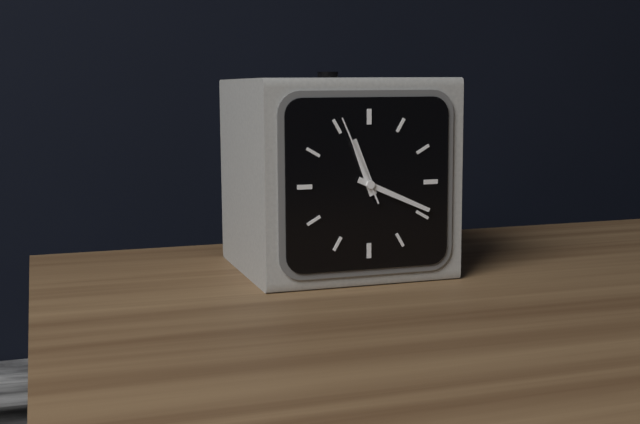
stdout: 11:19:56
